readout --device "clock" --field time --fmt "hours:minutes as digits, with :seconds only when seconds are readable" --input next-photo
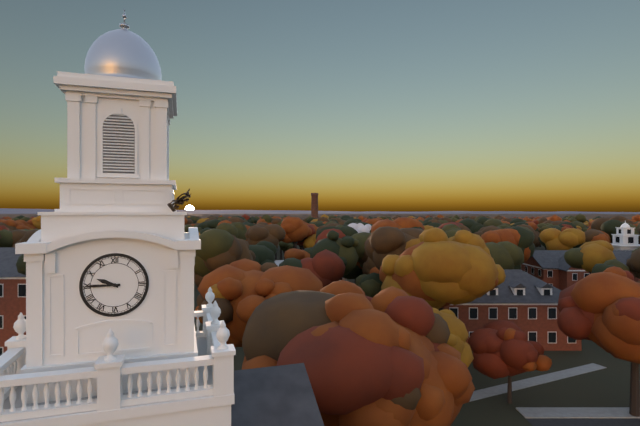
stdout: 9:45
